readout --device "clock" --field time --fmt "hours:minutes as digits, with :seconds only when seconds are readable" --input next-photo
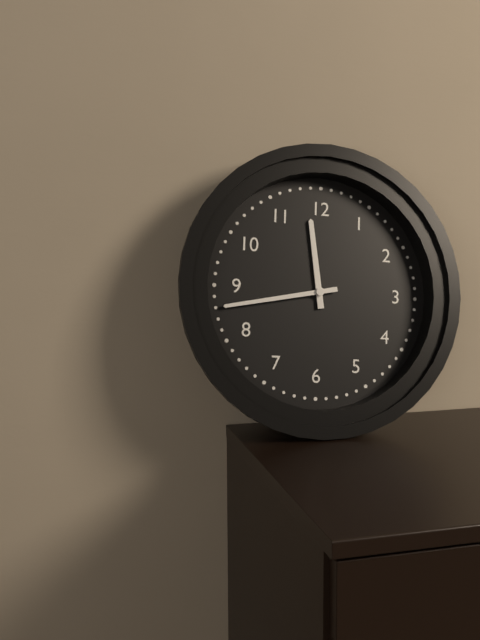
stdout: 11:43
